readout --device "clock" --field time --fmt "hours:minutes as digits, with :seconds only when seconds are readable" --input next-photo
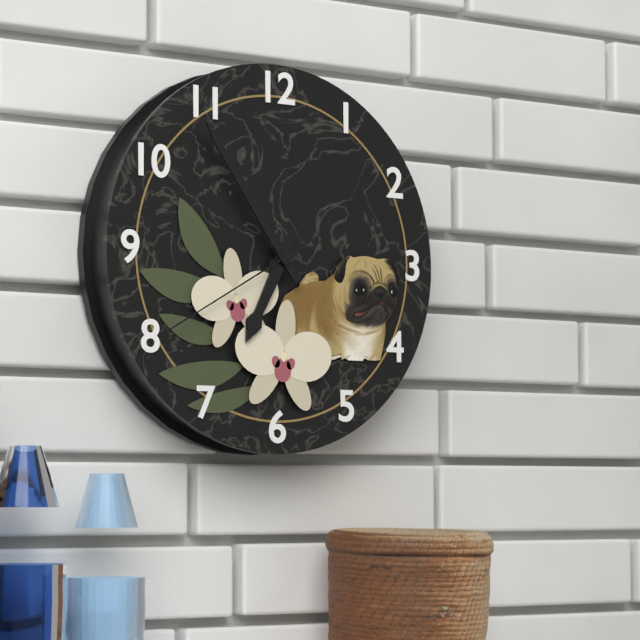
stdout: 6:54:40
